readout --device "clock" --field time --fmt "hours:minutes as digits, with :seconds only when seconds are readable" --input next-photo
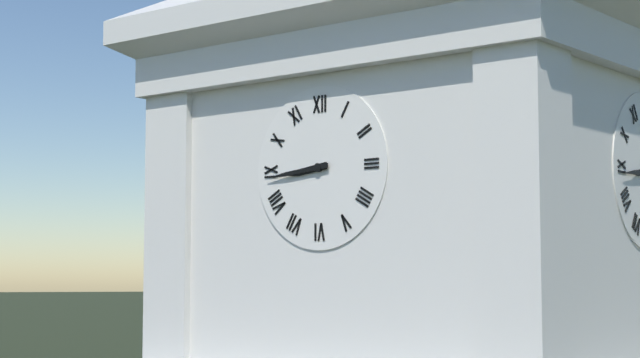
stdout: 8:44
